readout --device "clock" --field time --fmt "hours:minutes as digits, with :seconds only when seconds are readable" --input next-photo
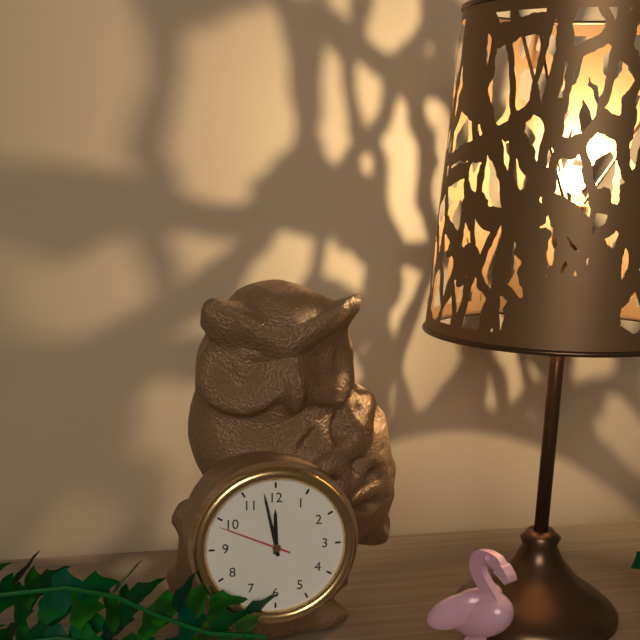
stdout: 11:58:49
